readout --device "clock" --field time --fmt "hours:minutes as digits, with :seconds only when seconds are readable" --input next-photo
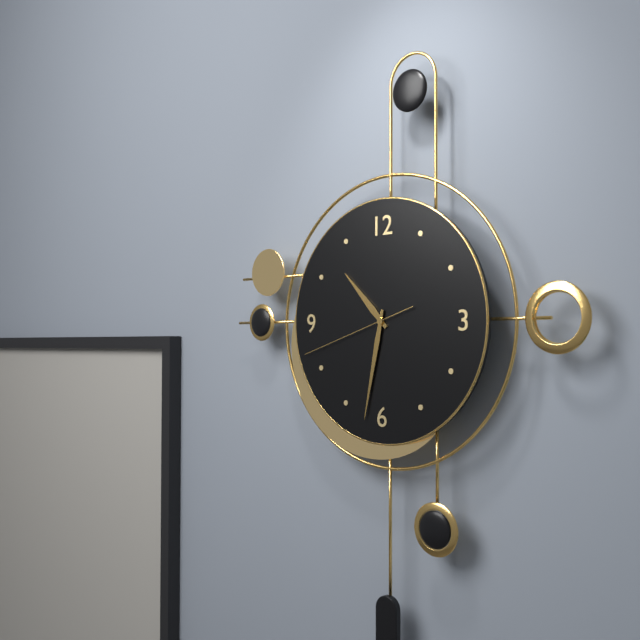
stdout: 10:32:42
